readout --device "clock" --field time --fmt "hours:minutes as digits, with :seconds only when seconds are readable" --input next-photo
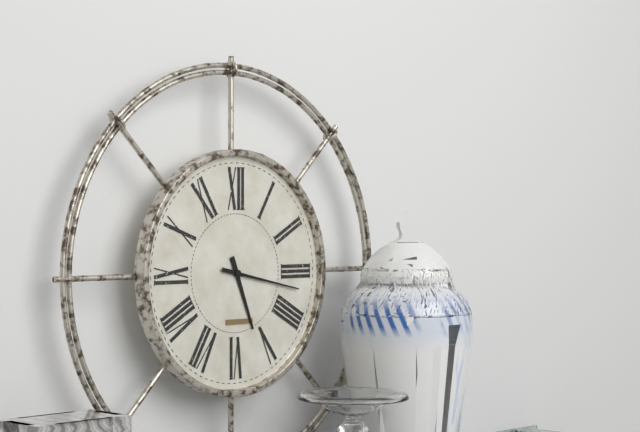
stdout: 5:17
